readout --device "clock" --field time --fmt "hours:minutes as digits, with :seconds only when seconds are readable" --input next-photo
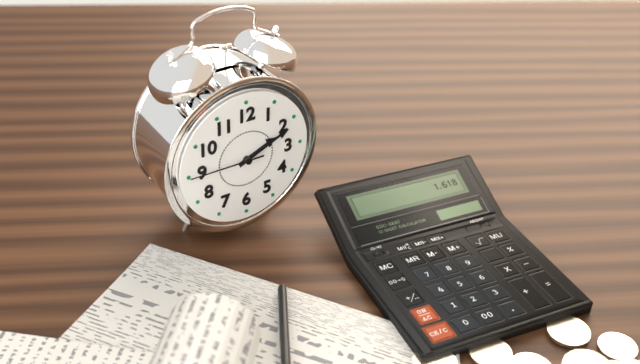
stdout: 2:11:45
